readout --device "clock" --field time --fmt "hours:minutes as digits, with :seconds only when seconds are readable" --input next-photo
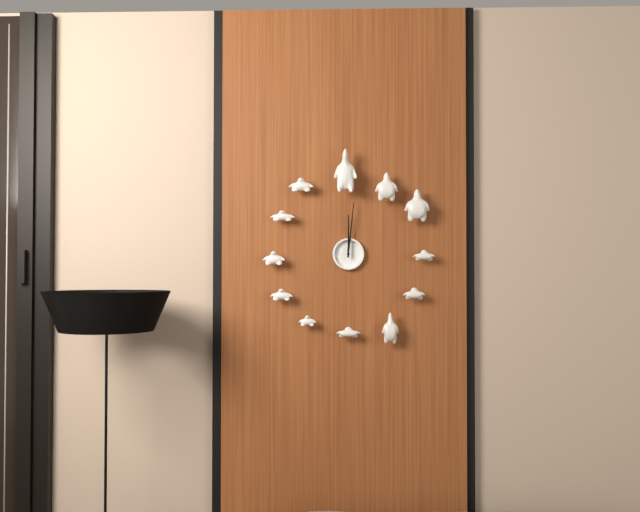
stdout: 12:01
